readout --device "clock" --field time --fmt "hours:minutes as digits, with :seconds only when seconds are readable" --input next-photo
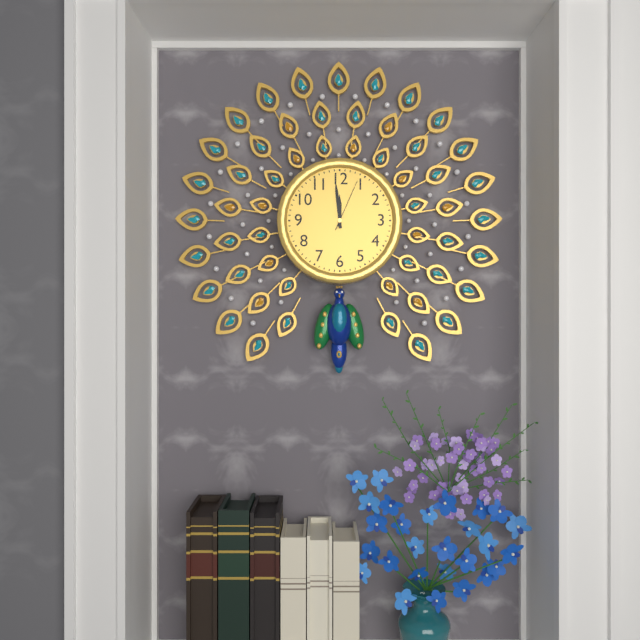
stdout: 11:59:04
